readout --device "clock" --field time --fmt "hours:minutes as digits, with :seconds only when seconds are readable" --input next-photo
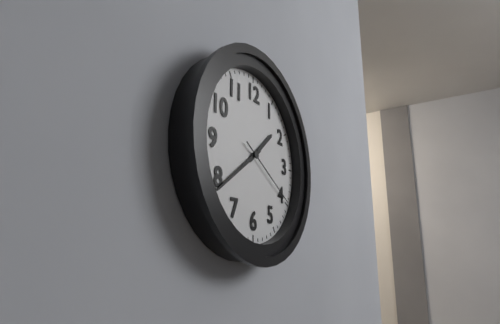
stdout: 1:39:20
